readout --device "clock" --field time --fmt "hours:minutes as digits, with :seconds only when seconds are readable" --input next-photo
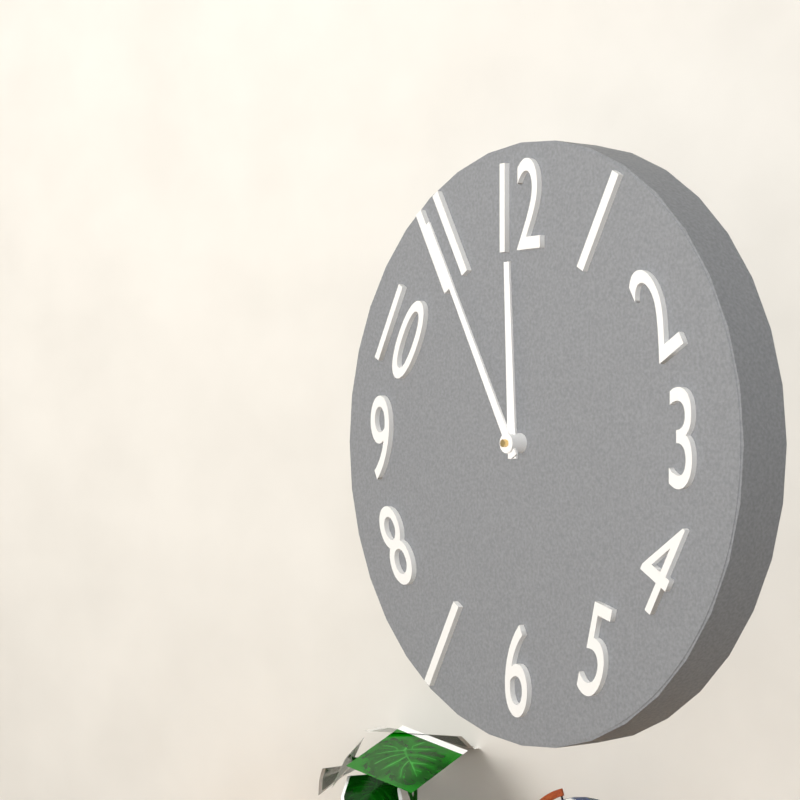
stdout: 11:55
